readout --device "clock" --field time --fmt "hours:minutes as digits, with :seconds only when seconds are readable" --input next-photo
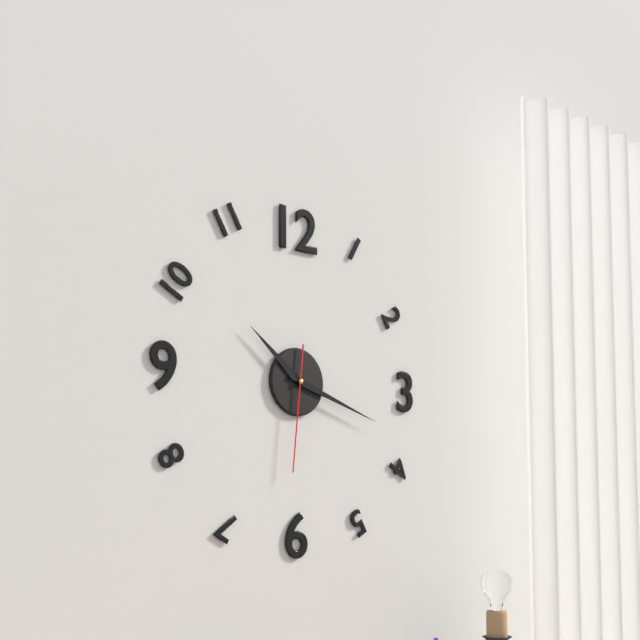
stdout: 10:18:31
